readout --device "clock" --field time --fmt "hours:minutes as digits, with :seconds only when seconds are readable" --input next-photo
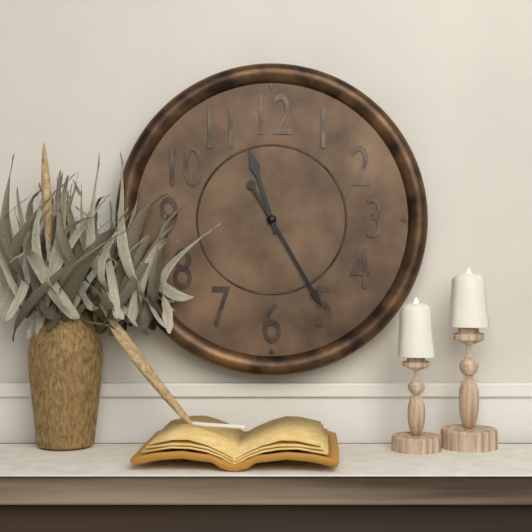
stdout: 11:25
